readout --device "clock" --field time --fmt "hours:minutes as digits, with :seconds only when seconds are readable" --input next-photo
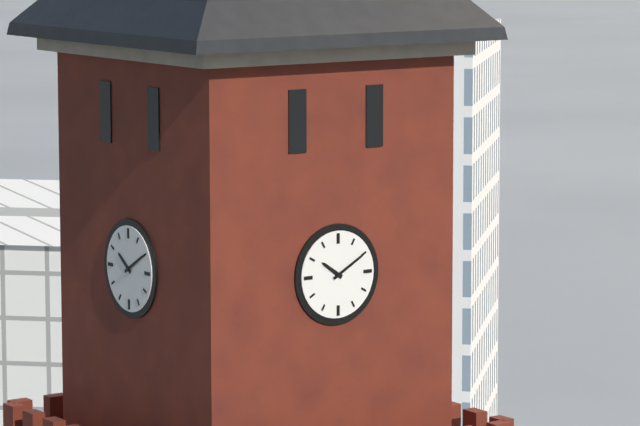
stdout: 10:10
